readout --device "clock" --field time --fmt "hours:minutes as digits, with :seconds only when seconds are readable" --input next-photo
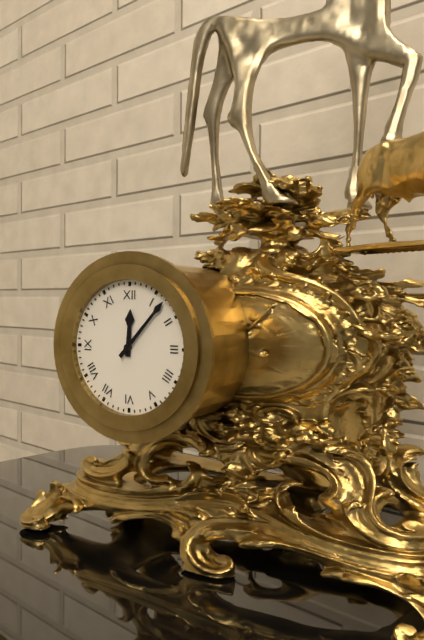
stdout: 12:07
